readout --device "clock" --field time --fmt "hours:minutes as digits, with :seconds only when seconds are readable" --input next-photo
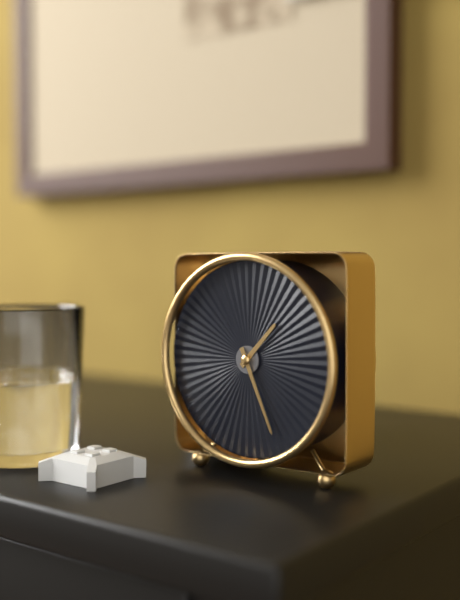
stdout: 1:26
